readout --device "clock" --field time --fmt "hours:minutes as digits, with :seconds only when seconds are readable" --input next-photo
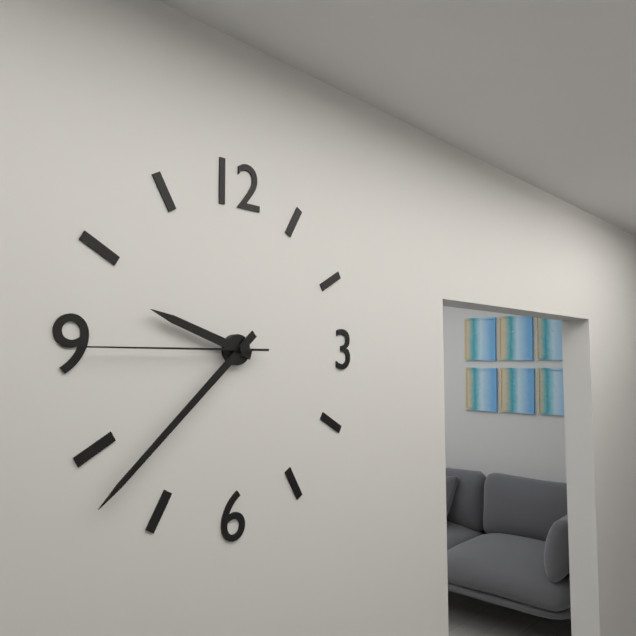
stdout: 9:38:45
